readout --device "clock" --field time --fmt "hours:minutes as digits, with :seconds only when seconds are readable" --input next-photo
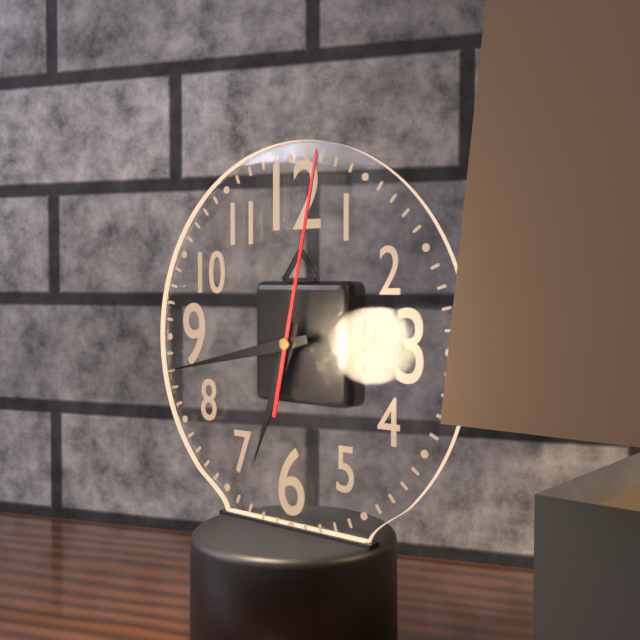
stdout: 6:43:02
